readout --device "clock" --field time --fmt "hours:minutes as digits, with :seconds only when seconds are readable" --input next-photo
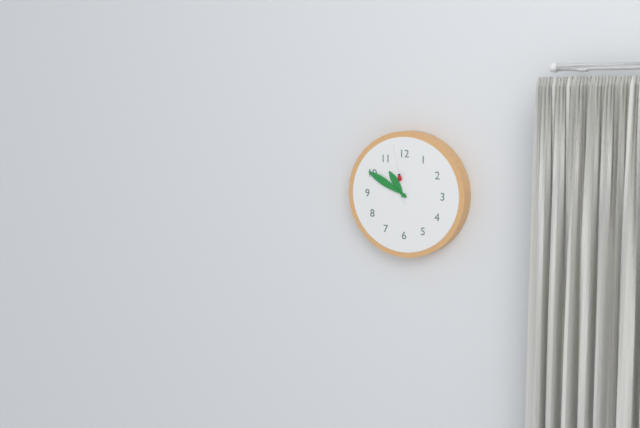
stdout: 10:50:58
